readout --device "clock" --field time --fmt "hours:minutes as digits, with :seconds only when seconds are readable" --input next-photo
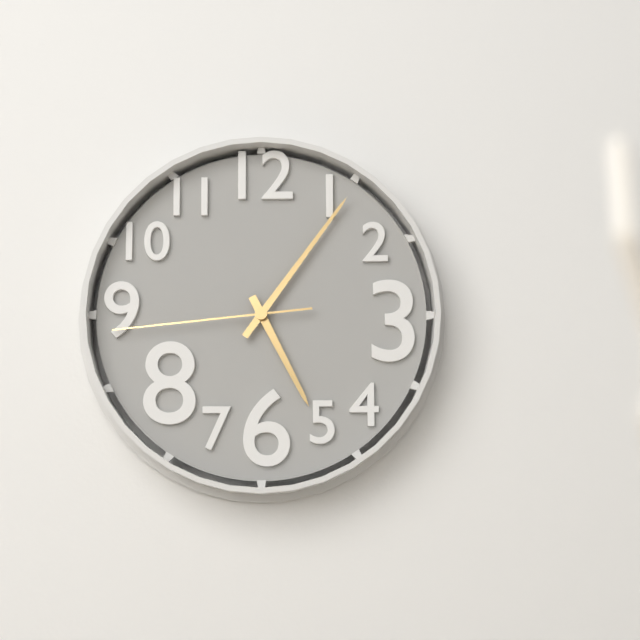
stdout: 5:06:44
